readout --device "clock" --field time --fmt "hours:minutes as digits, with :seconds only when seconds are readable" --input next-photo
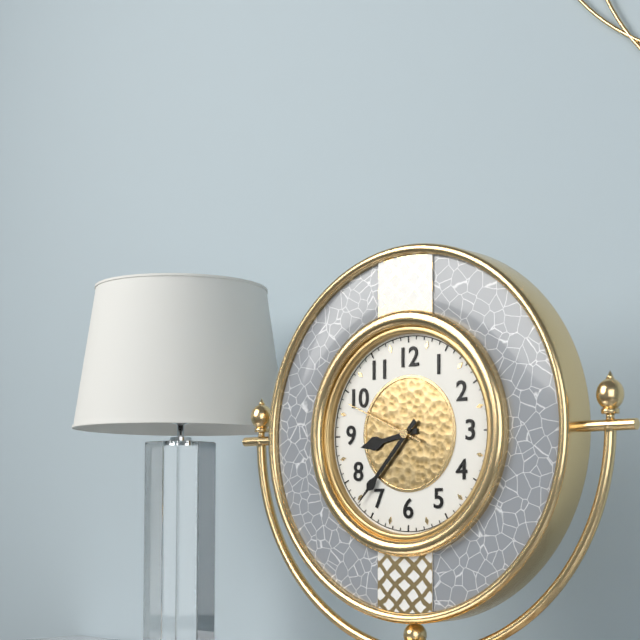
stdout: 8:37:49
